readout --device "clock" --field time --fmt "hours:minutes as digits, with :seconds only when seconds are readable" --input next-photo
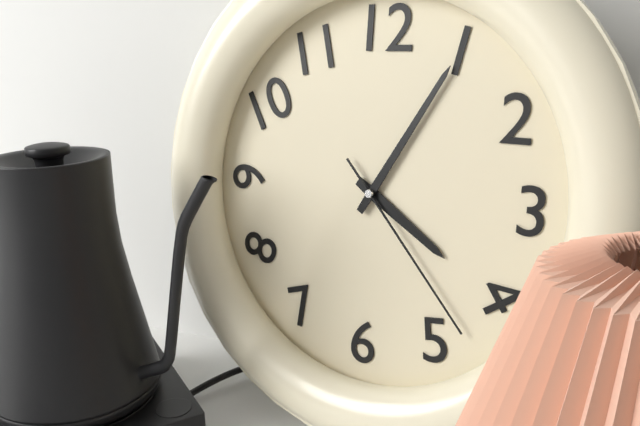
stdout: 4:05:23
